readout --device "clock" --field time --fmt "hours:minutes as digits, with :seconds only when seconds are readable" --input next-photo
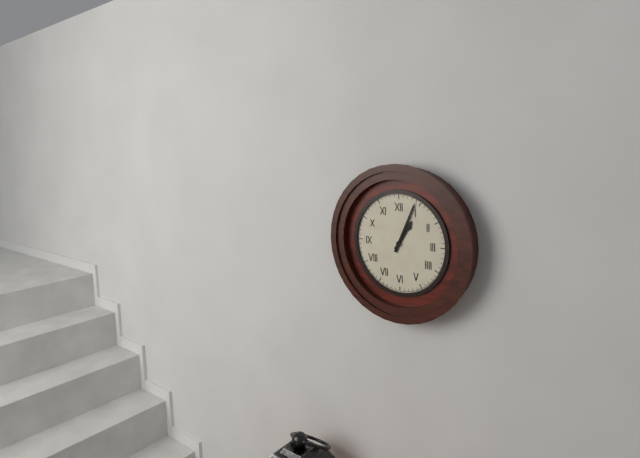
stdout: 1:04
